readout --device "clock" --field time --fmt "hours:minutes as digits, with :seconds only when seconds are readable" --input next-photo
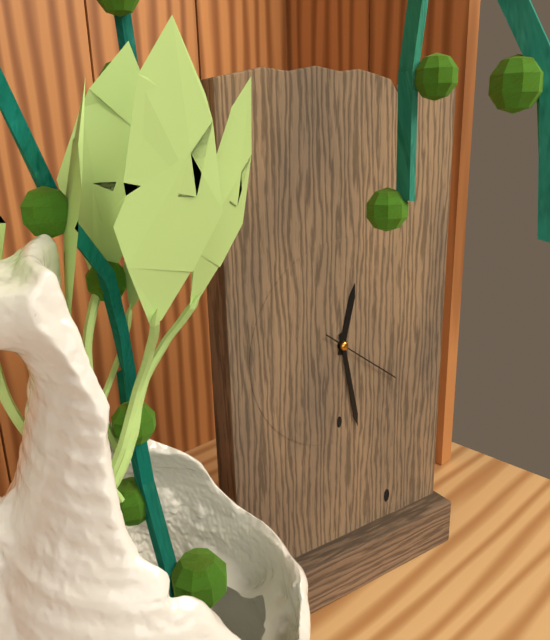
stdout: 12:28:21
